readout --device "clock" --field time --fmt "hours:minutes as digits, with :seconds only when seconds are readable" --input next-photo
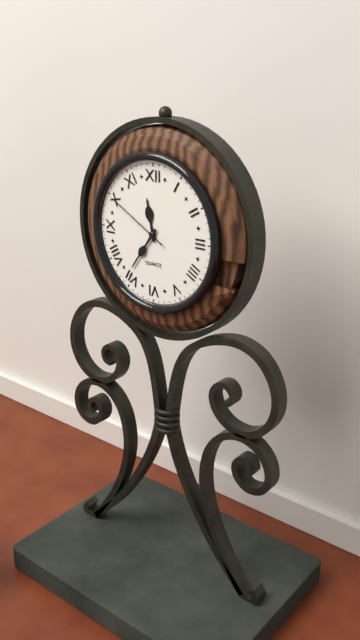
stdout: 11:36:50
